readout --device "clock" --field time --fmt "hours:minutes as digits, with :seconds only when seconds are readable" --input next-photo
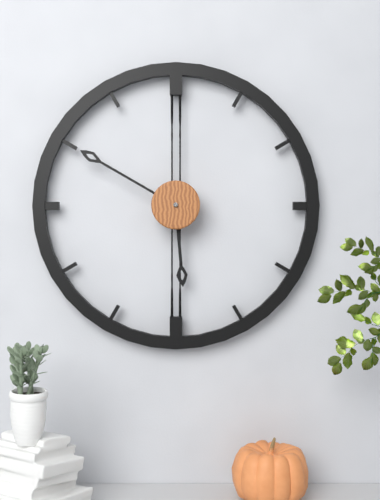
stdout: 5:50
